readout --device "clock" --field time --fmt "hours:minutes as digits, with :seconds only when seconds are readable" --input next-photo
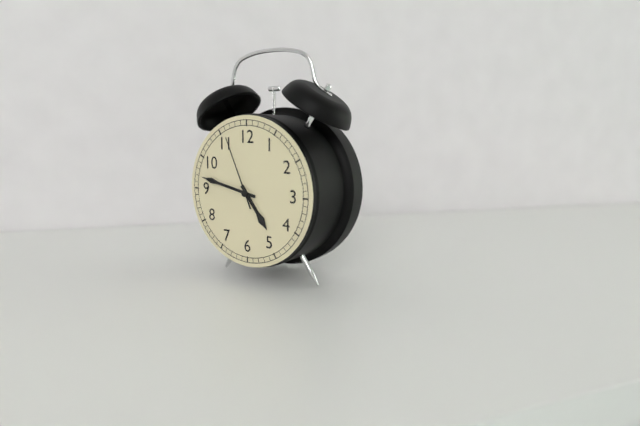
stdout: 4:47:56
